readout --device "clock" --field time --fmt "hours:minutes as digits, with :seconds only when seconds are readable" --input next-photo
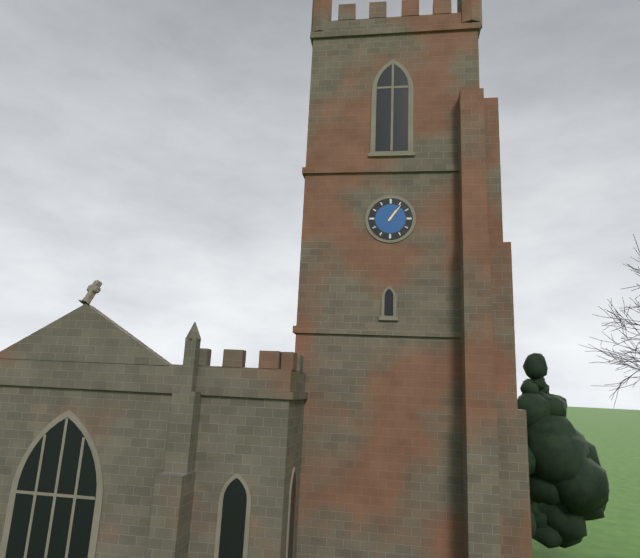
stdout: 1:06
